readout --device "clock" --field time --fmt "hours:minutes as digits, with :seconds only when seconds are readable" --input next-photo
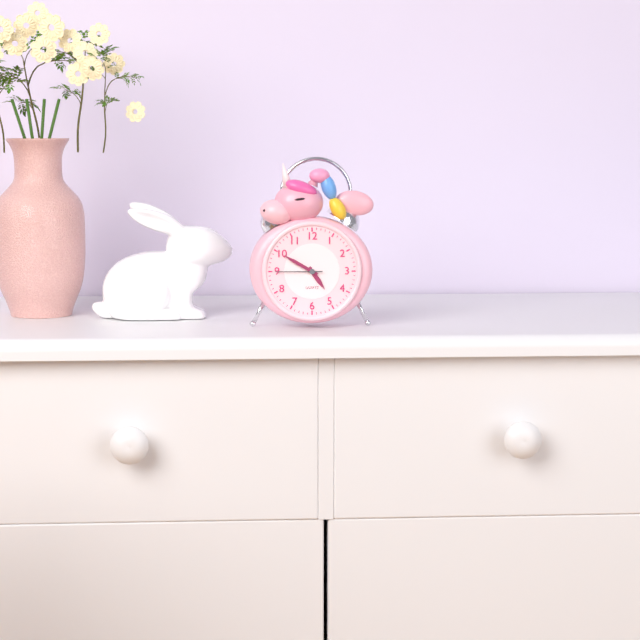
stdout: 4:50
